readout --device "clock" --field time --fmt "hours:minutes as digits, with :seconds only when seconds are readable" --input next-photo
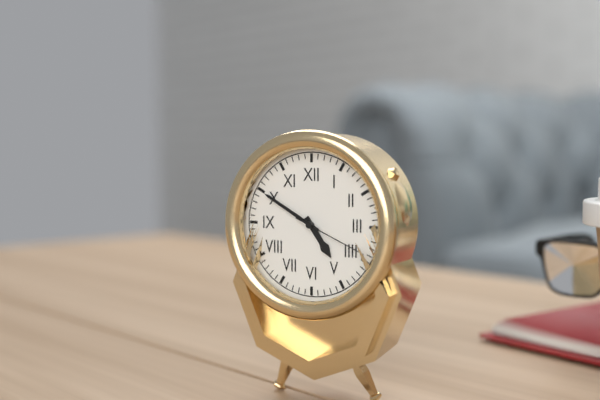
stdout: 4:50:19
